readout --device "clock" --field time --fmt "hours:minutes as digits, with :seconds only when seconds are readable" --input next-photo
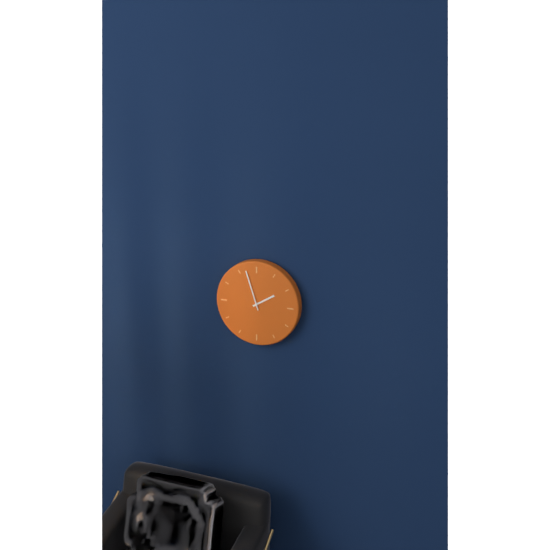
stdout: 1:57
